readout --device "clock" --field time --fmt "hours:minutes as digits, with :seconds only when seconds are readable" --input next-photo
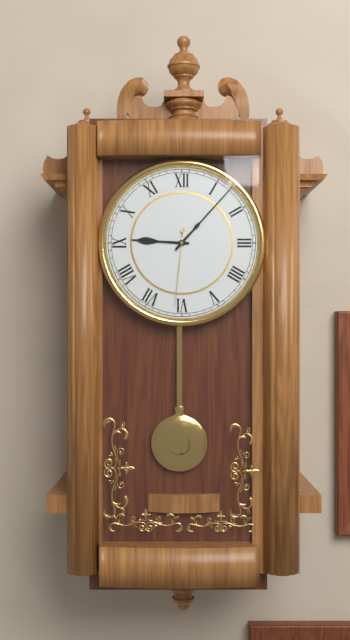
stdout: 9:07:31
